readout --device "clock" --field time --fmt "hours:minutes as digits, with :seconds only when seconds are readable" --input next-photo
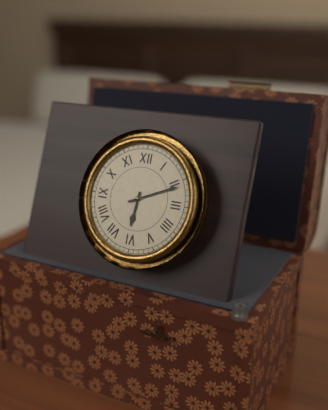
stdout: 6:11
